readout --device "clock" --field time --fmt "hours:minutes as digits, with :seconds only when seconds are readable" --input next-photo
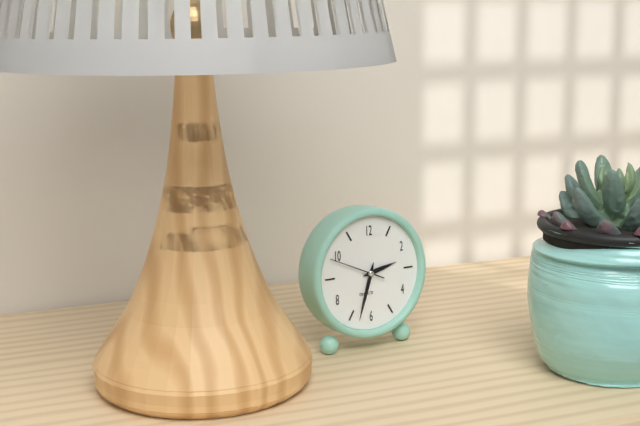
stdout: 2:33
